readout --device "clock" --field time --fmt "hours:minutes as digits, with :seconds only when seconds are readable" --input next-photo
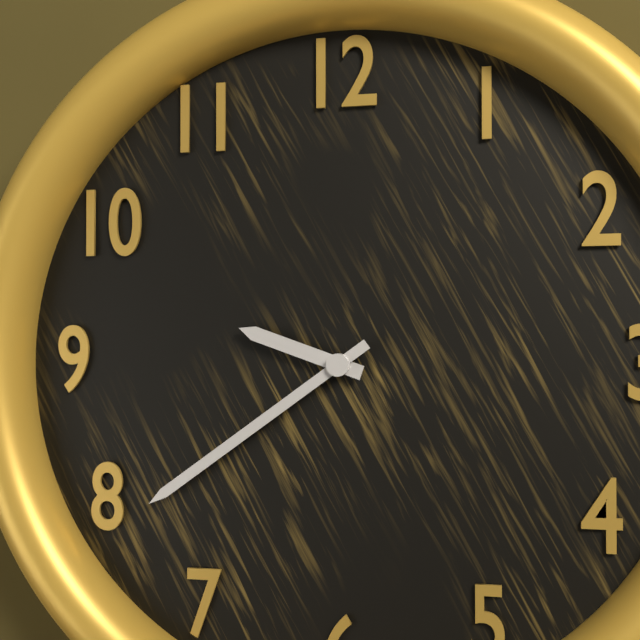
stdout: 9:39
